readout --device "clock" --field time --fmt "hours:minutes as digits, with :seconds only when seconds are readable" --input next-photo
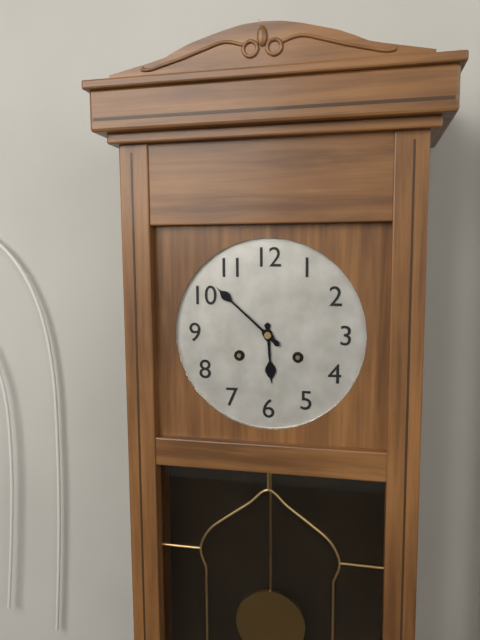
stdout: 5:52
